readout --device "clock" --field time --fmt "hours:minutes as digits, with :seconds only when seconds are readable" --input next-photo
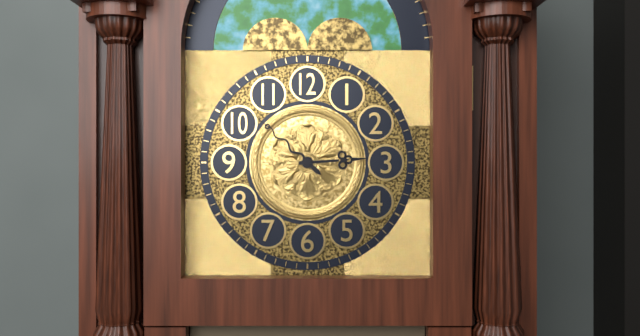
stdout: 2:52
